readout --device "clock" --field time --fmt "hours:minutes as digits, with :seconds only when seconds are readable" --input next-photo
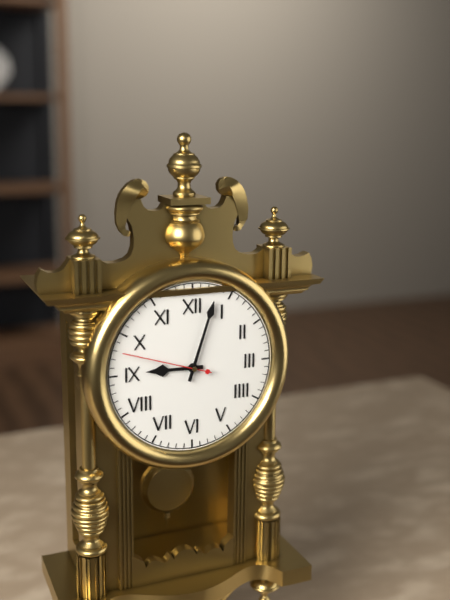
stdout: 9:03:48
